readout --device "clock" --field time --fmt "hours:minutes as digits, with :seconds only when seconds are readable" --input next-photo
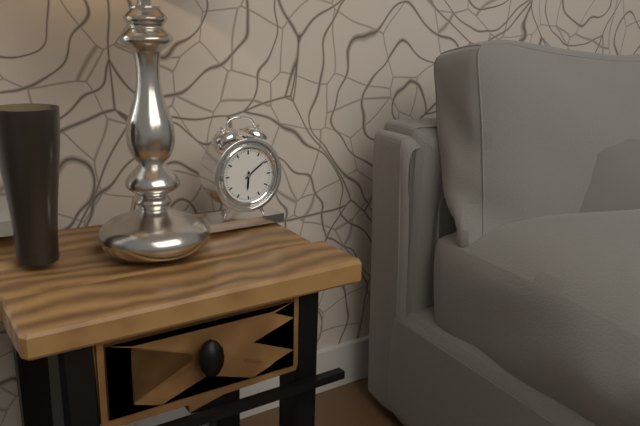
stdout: 6:09
